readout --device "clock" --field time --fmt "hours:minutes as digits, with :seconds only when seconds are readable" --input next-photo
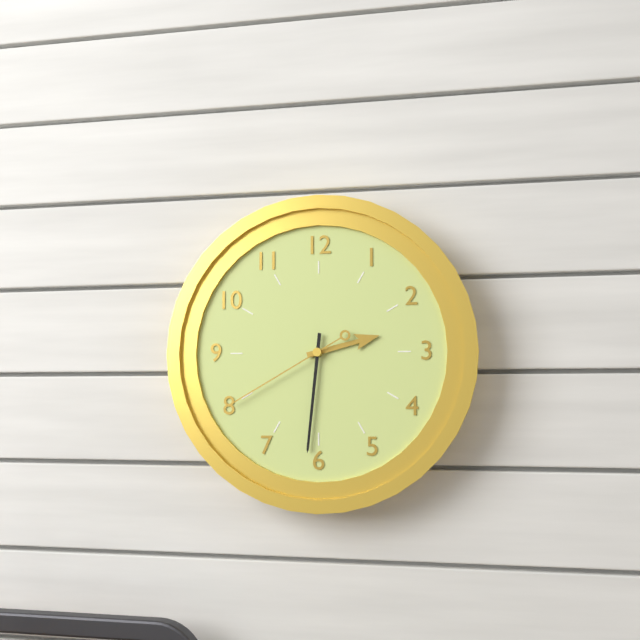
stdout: 2:31:40
